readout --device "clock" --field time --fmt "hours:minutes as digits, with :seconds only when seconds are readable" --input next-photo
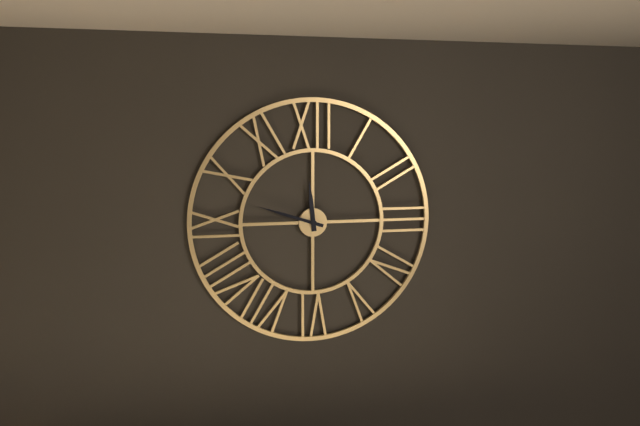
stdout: 11:48
